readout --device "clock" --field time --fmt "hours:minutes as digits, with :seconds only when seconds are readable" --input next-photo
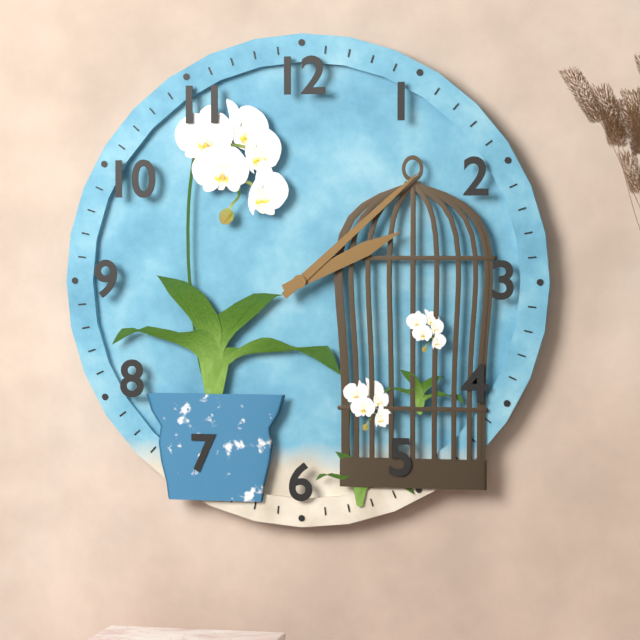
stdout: 2:08
